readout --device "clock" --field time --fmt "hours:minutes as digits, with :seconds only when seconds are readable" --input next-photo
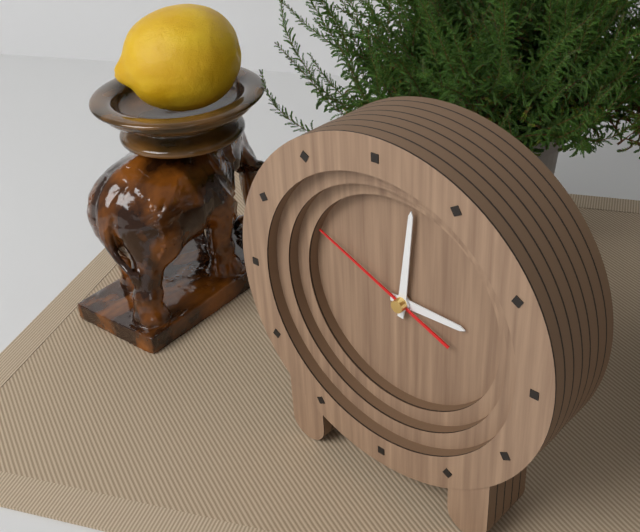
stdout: 3:01:49
